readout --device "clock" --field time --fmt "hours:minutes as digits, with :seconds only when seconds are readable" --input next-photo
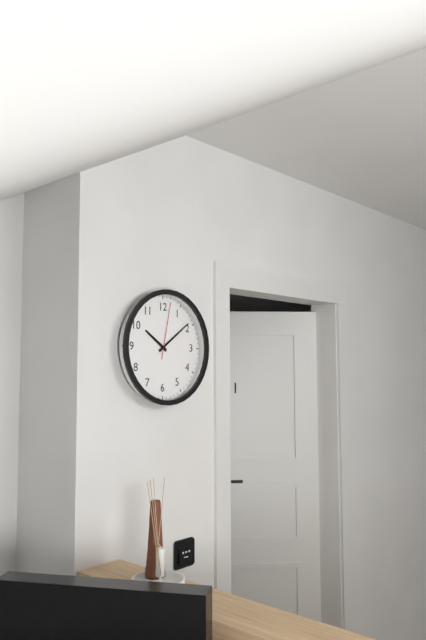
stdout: 10:09:02
